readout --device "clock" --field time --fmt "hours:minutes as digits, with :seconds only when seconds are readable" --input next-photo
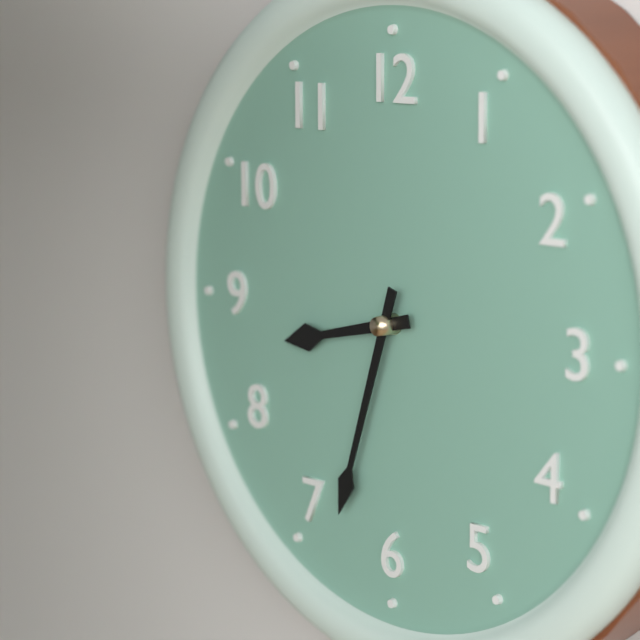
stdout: 8:33
